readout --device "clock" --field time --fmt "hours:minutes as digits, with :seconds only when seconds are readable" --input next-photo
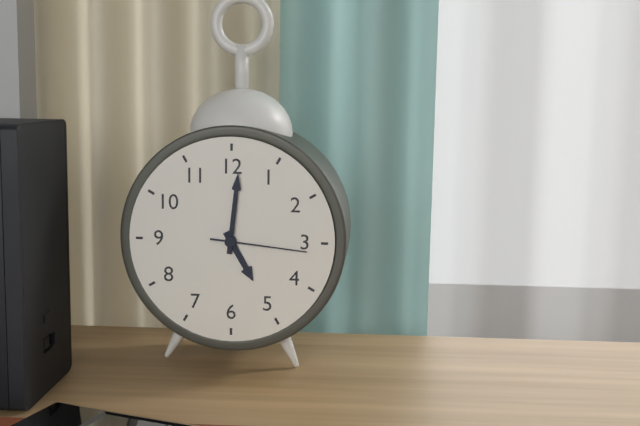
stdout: 5:01:16
